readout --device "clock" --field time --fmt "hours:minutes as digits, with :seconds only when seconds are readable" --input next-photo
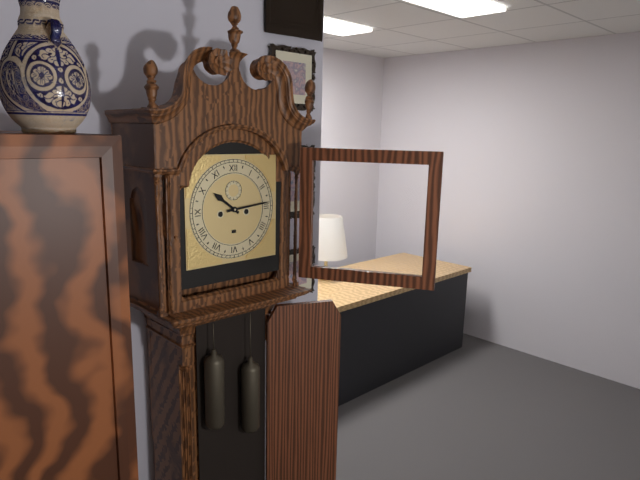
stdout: 10:14
